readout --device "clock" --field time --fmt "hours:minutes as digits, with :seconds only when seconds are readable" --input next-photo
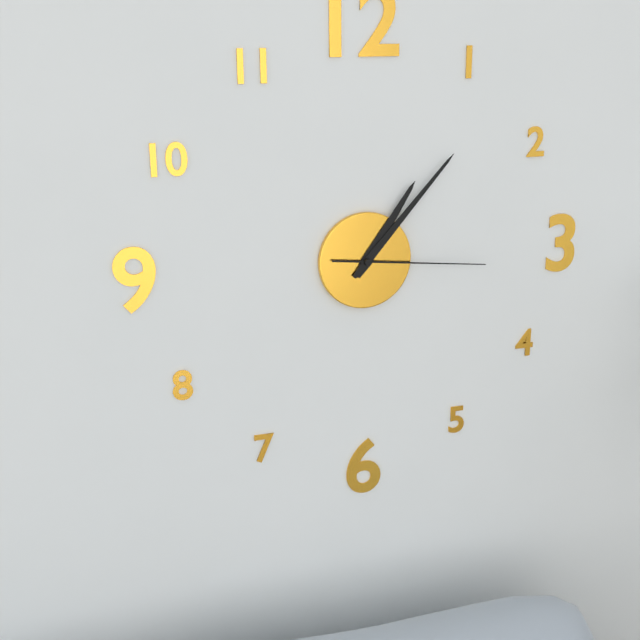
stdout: 1:07:16
